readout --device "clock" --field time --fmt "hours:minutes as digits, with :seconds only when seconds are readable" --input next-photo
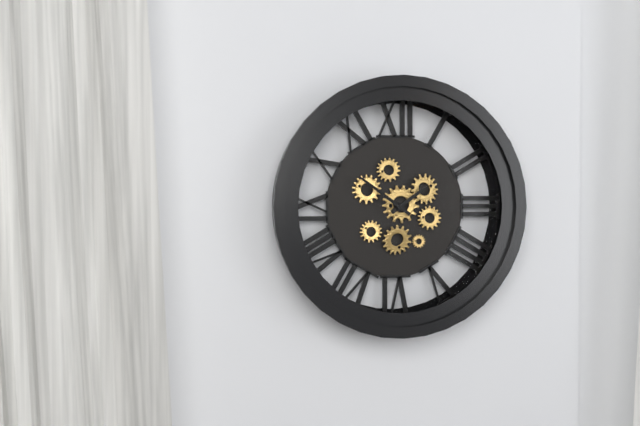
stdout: 1:51
